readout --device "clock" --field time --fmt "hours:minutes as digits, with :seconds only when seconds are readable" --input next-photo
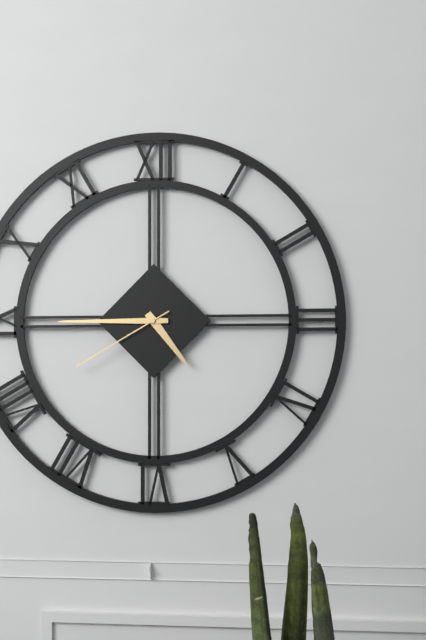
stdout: 4:45:40
